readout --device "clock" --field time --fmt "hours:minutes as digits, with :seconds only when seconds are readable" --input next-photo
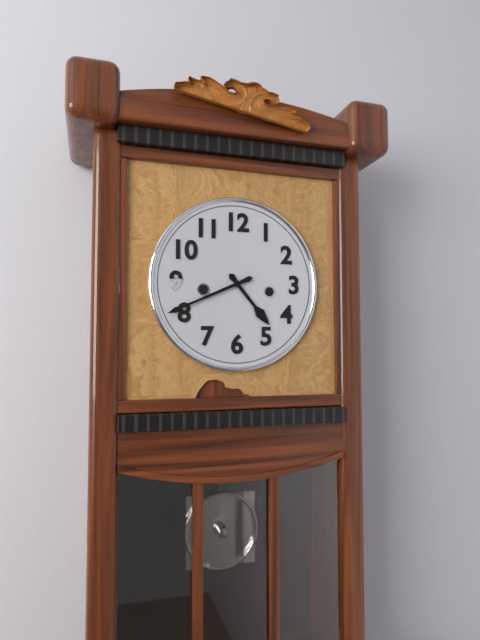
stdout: 4:41
